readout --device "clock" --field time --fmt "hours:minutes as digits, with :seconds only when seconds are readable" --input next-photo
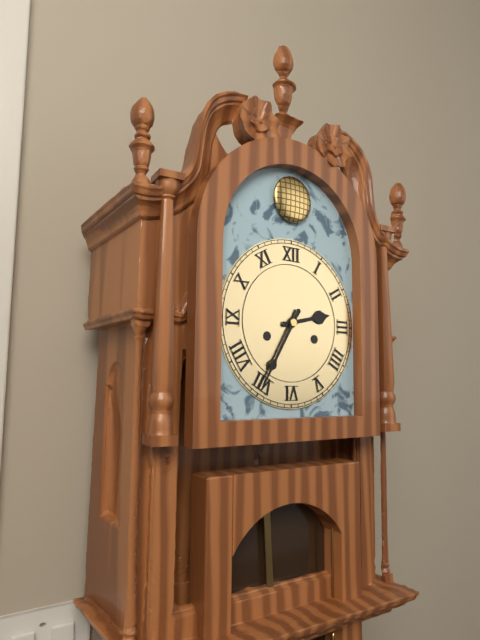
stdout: 2:35
